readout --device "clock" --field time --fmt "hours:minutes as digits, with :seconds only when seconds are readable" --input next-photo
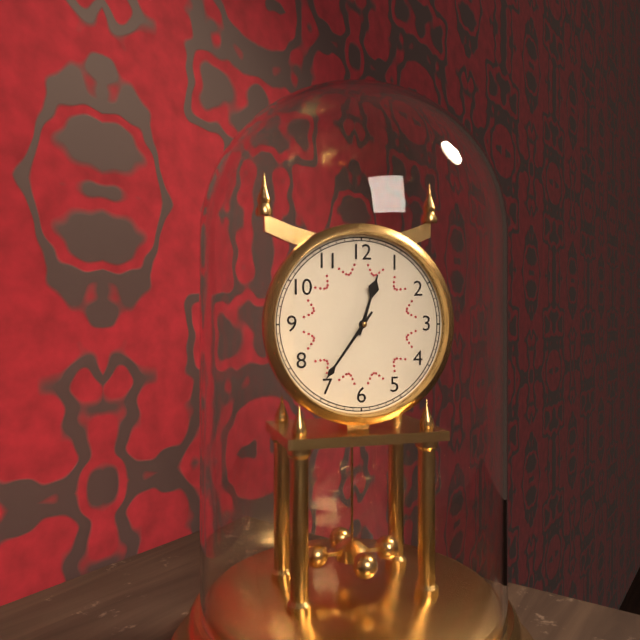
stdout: 12:36
